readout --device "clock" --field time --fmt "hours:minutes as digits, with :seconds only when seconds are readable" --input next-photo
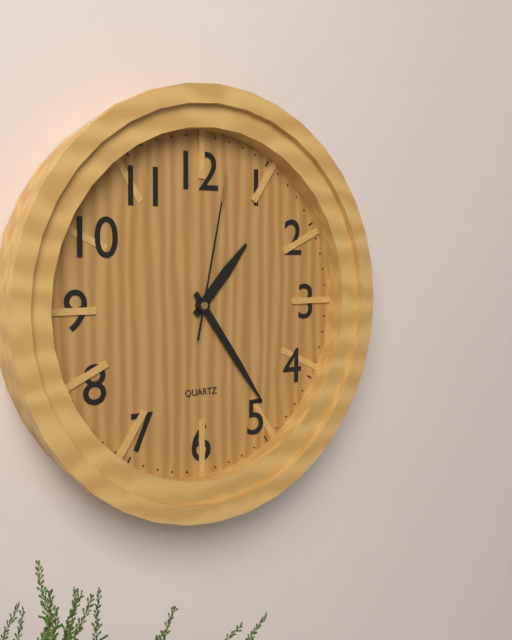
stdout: 1:24:02
